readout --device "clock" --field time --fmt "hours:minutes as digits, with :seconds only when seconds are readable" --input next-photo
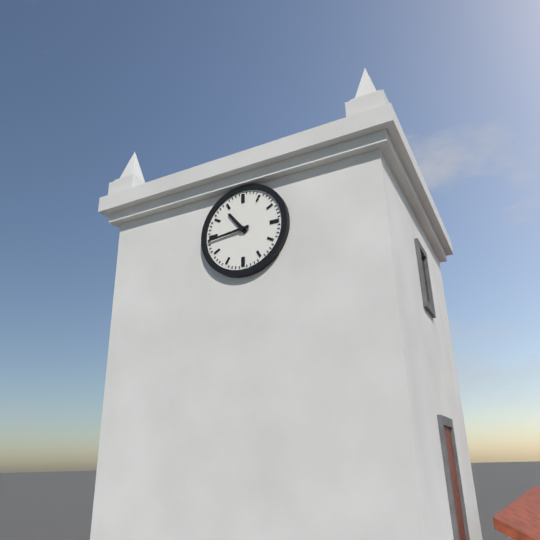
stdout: 10:44
